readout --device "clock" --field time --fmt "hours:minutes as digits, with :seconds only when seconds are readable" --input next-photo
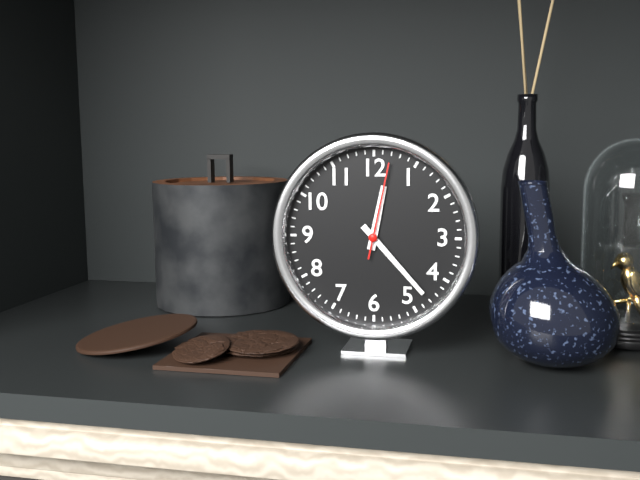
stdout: 12:23:02
